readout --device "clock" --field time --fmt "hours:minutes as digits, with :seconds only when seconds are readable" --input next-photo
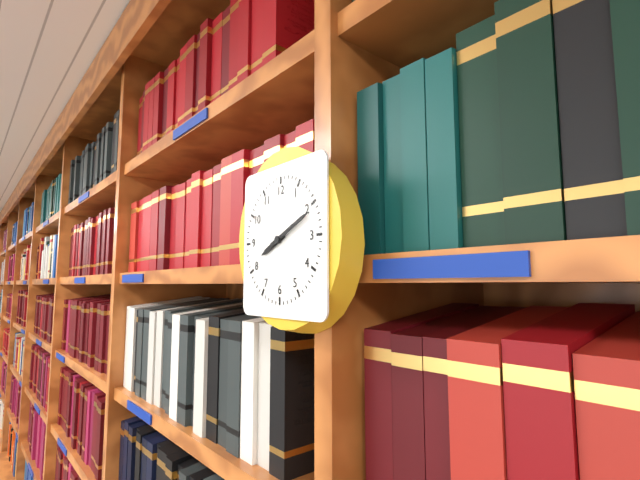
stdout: 8:11
